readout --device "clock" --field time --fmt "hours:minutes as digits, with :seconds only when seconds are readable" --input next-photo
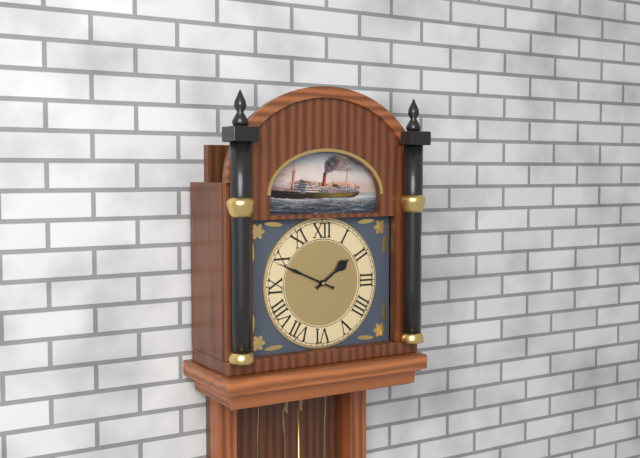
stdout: 1:49
